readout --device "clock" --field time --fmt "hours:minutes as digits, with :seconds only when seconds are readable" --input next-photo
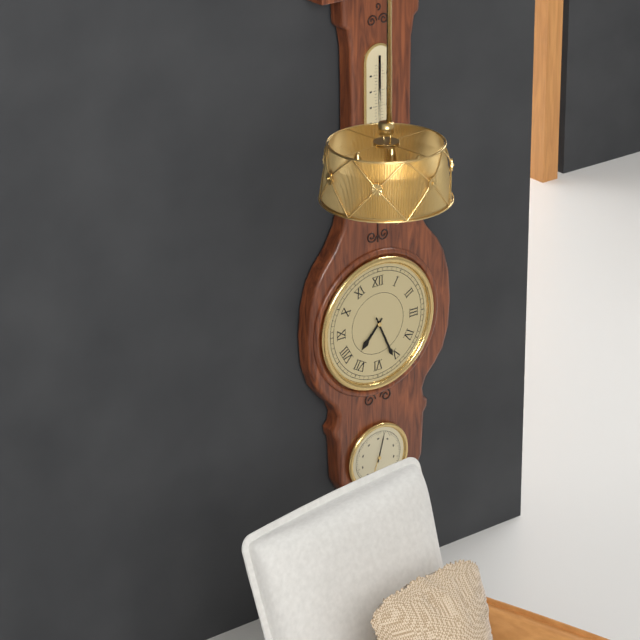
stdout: 7:26
